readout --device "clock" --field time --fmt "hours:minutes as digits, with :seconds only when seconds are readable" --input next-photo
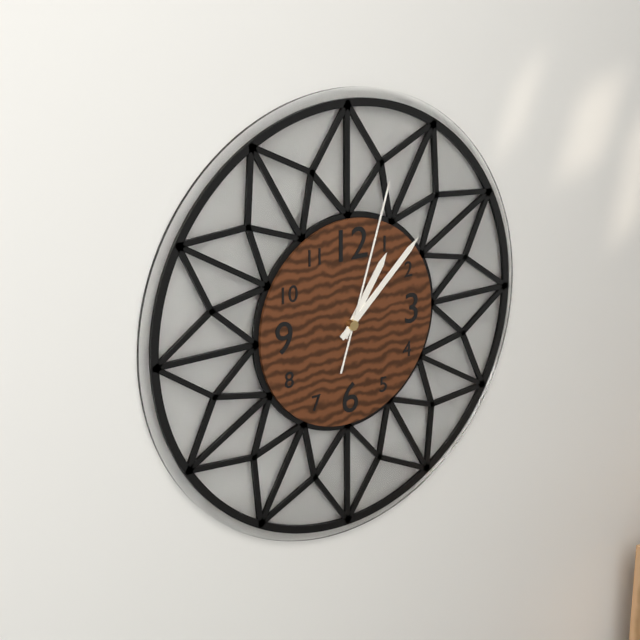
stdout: 1:08:03
